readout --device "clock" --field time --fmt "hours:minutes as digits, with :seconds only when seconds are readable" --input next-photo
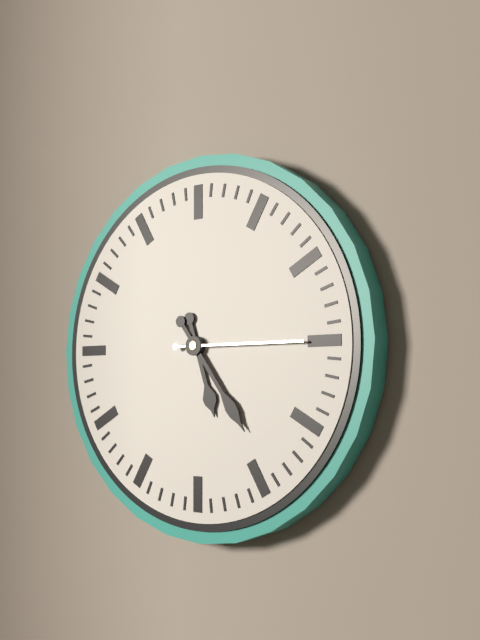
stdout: 5:24:15
